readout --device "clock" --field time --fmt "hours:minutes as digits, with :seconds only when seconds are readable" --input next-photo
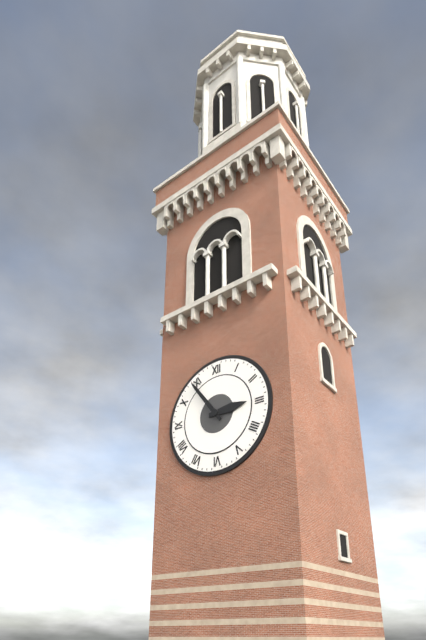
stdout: 2:54
